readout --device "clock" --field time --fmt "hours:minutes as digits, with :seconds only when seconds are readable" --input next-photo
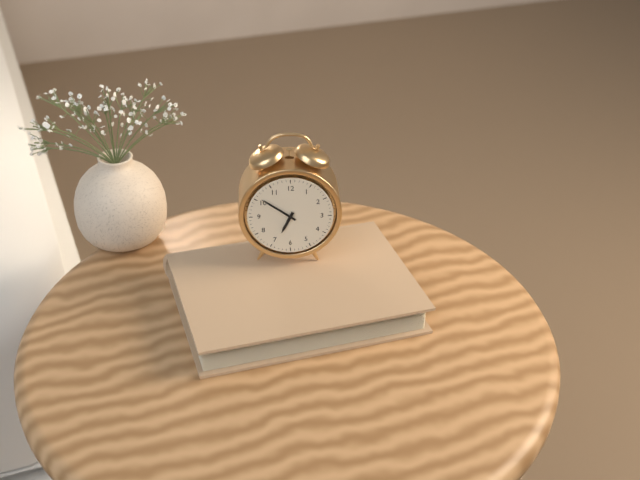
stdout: 6:51
